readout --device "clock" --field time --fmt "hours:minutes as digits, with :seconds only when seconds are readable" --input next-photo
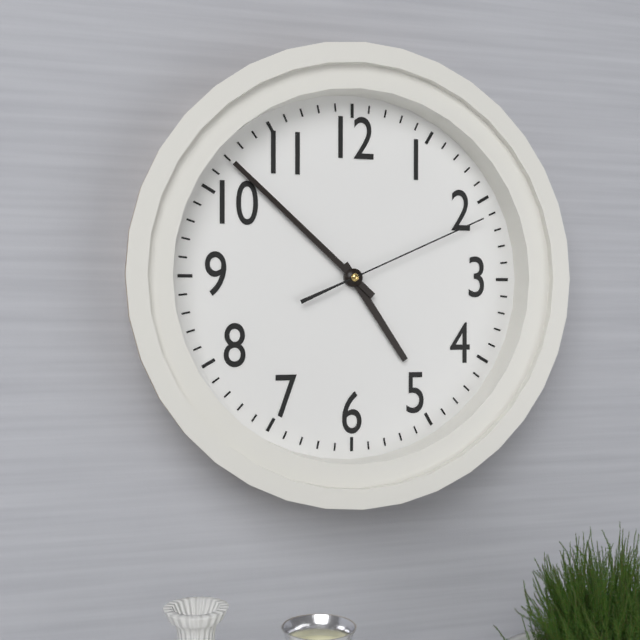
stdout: 4:52:11
